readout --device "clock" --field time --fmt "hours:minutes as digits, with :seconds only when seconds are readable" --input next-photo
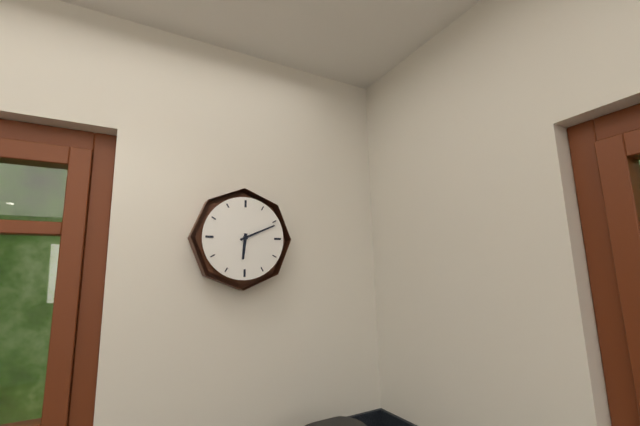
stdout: 6:11
